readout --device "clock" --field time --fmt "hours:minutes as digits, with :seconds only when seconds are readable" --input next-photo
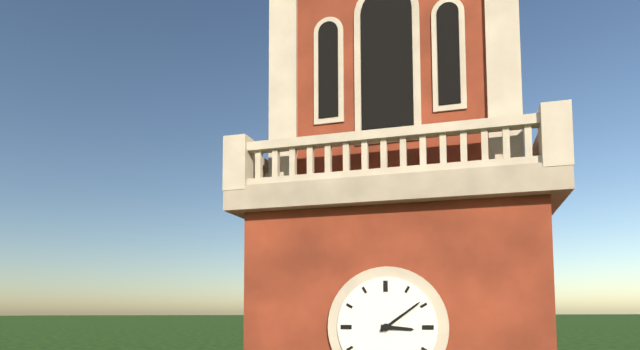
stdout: 3:09
